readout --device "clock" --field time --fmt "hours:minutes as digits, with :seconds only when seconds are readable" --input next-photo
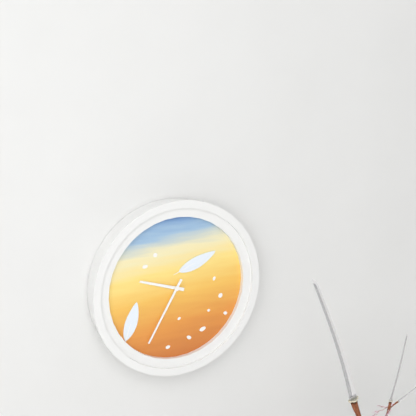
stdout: 9:35
